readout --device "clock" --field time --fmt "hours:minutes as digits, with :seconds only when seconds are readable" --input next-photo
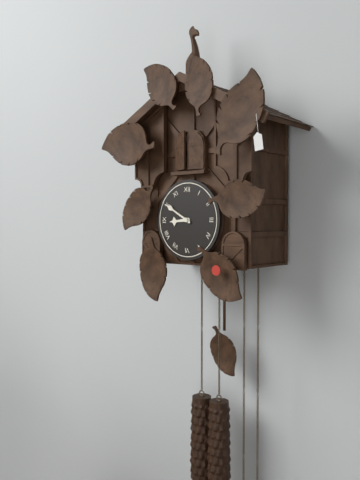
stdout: 8:50
